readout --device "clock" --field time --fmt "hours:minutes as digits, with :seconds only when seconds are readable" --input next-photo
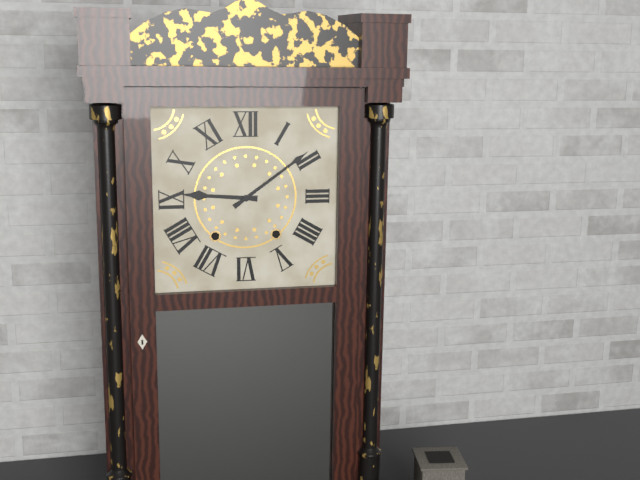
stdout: 9:09
